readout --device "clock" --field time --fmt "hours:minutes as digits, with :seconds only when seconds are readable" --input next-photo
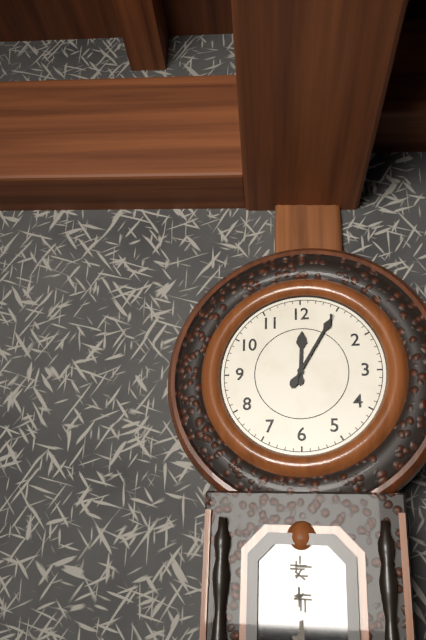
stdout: 12:05
